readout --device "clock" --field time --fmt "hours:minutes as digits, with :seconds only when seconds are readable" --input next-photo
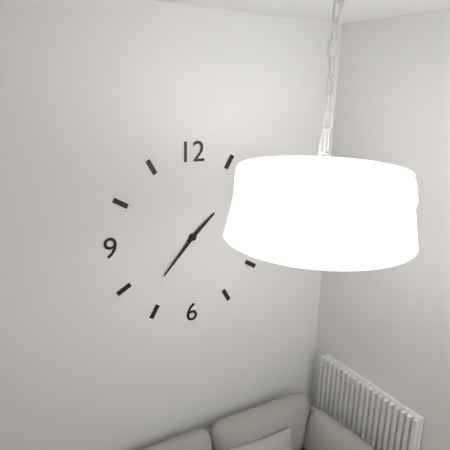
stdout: 1:37
